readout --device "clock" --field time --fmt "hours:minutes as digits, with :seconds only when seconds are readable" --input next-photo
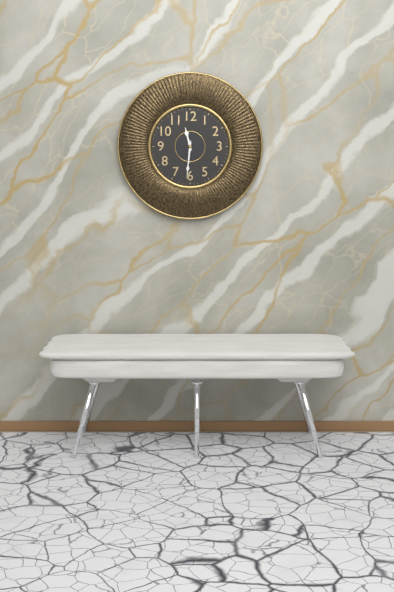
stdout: 11:31
